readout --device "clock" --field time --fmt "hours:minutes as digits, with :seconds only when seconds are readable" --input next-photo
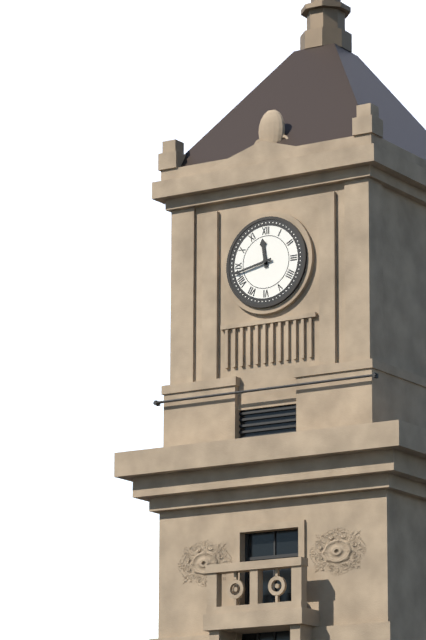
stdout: 11:43
